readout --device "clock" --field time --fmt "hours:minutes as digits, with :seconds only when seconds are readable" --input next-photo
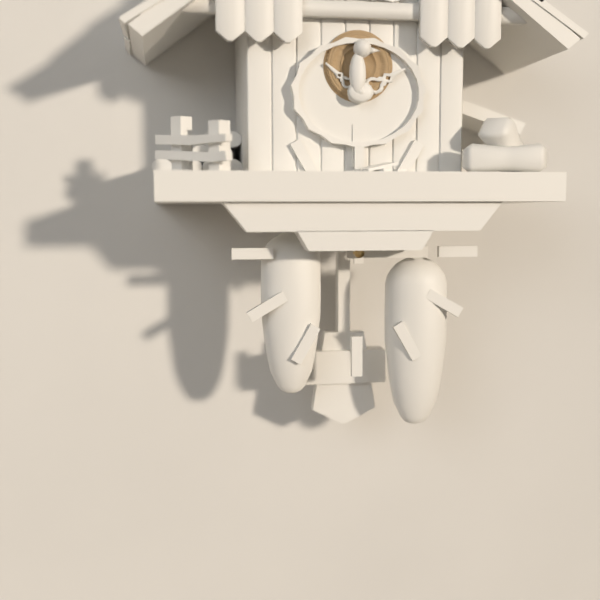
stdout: 3:00
